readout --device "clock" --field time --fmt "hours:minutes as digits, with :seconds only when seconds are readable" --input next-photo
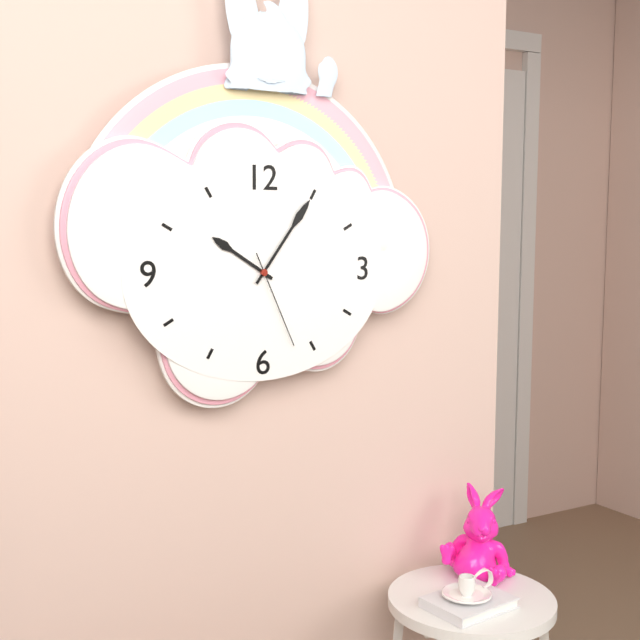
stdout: 10:06:26
